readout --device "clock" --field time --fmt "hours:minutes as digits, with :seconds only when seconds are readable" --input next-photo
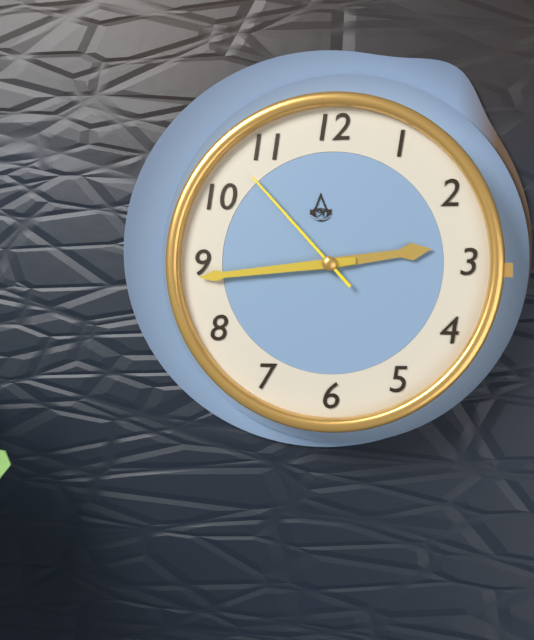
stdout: 2:44:53
